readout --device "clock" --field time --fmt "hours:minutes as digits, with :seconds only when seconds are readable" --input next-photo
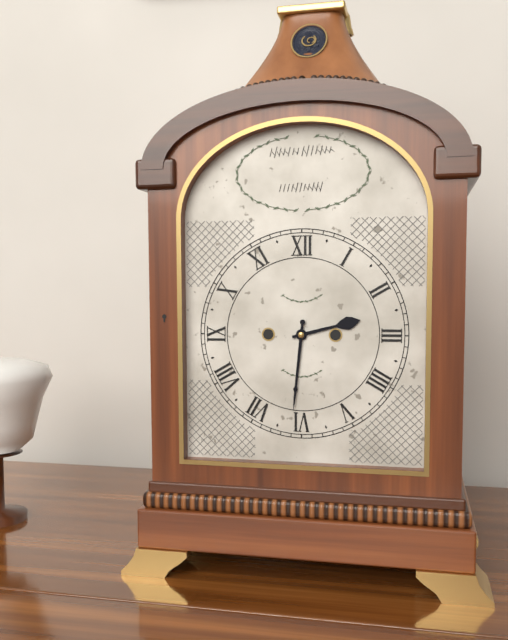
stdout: 2:31
